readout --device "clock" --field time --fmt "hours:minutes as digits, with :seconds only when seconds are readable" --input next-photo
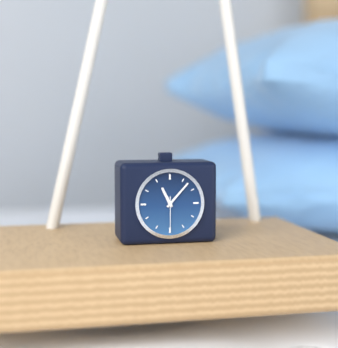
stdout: 11:07
